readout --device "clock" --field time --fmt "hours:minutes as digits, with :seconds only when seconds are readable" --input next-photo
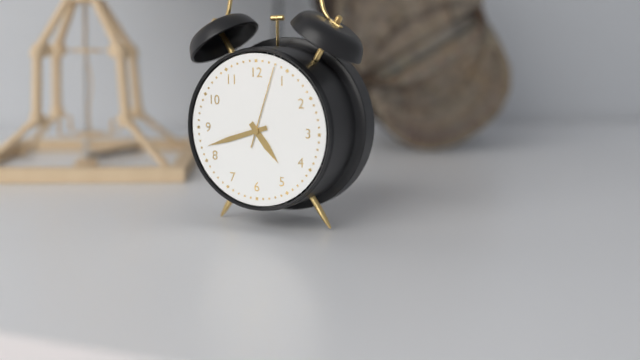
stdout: 4:42:03
